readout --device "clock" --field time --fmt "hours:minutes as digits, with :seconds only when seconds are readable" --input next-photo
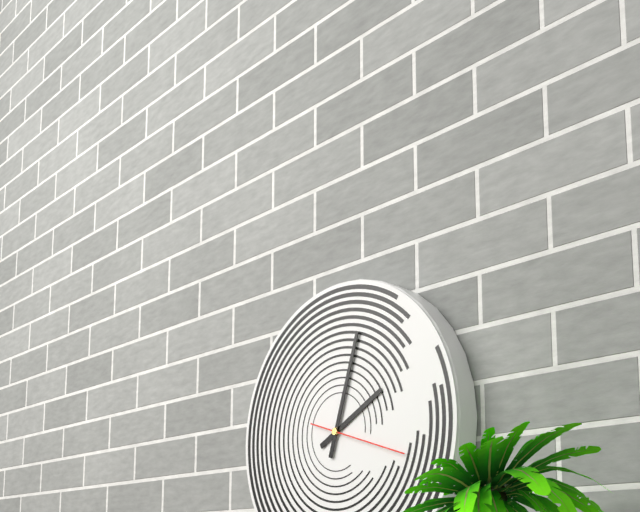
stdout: 2:03:18
